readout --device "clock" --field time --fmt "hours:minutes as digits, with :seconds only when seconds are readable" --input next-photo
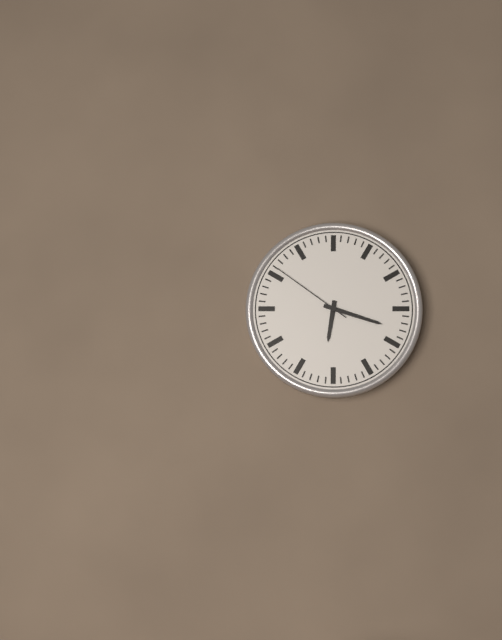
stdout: 6:18:51
